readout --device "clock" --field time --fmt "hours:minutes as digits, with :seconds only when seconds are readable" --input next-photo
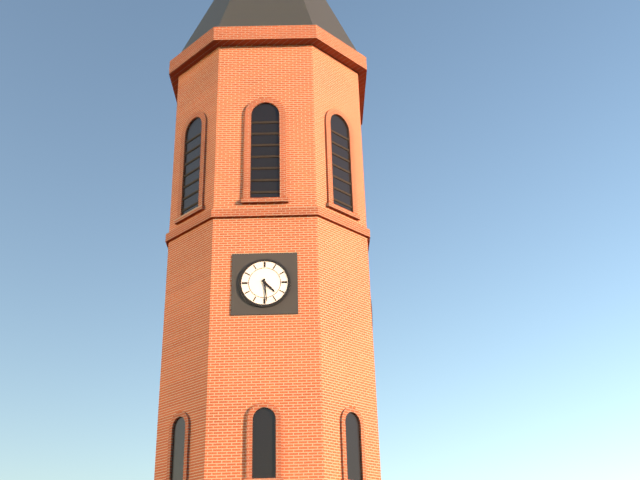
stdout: 4:29
